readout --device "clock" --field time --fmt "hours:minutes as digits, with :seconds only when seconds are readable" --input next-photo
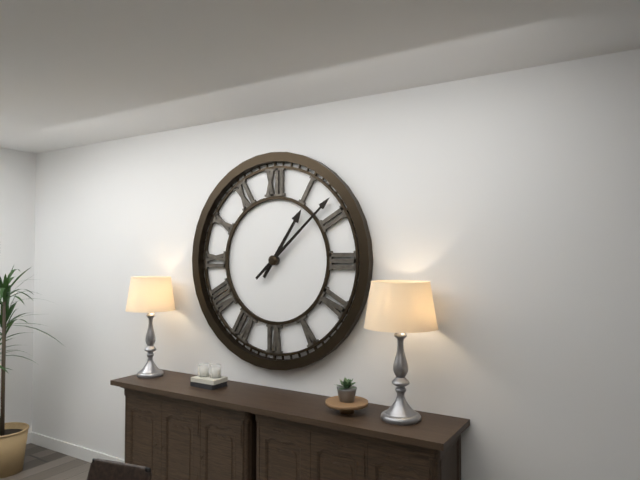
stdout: 1:08
